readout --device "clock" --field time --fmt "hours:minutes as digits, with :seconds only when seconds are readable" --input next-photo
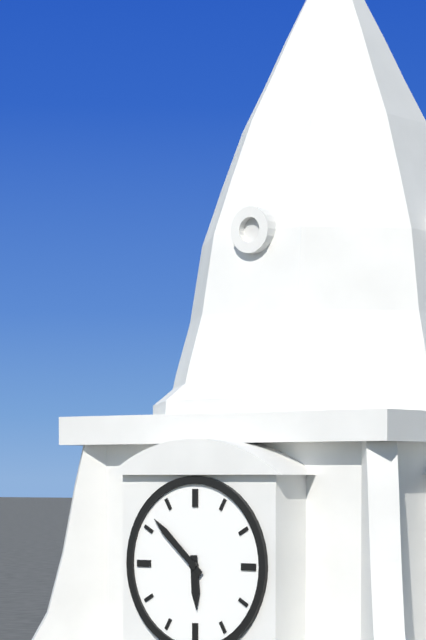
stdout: 5:52
